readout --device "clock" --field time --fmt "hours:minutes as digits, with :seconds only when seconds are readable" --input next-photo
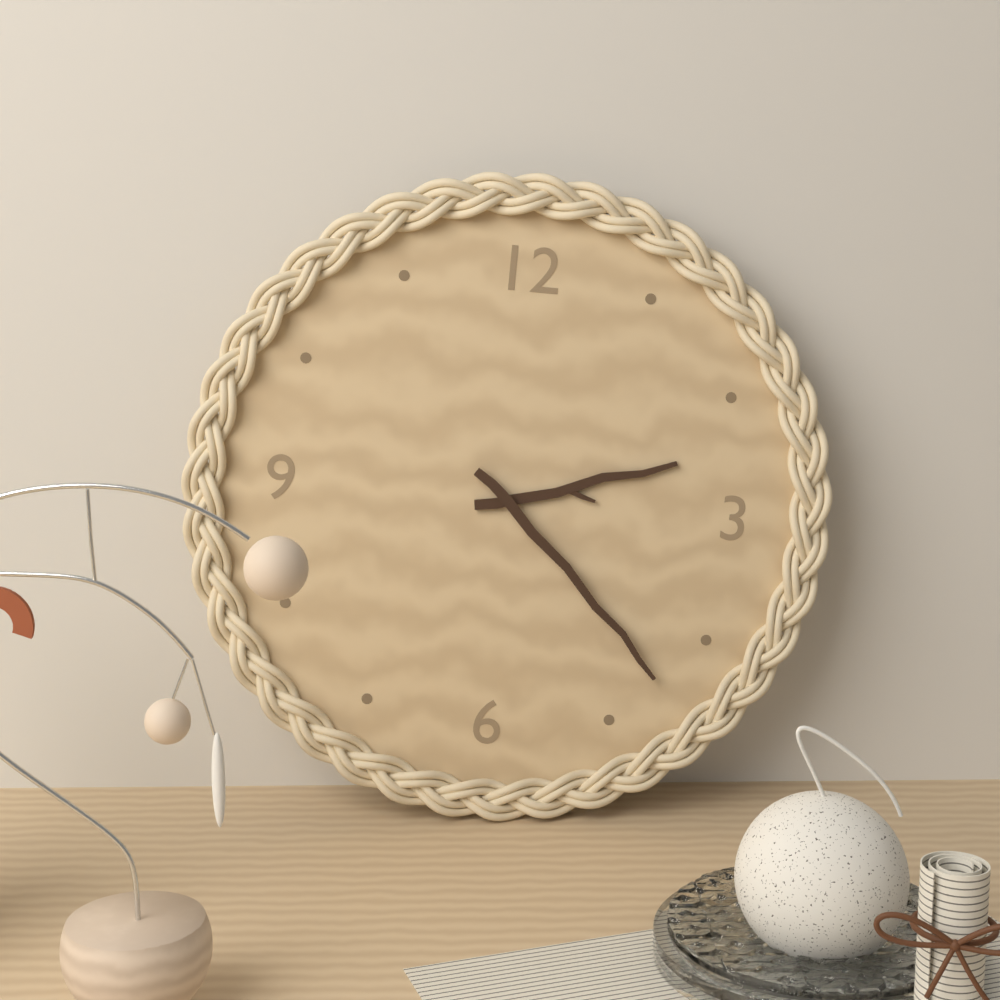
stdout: 2:22
